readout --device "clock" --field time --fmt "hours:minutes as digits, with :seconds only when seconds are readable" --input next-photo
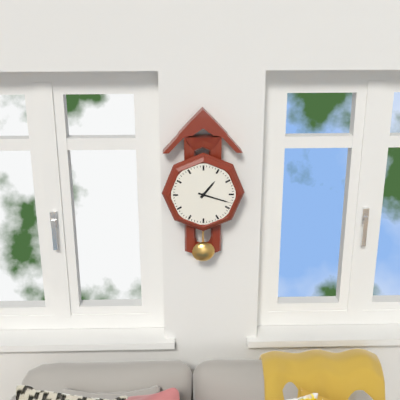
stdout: 1:18
